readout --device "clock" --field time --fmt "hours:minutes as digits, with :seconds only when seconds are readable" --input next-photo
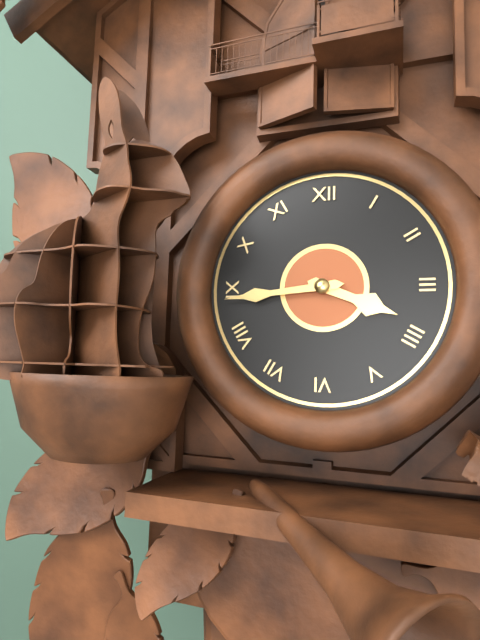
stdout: 3:44
